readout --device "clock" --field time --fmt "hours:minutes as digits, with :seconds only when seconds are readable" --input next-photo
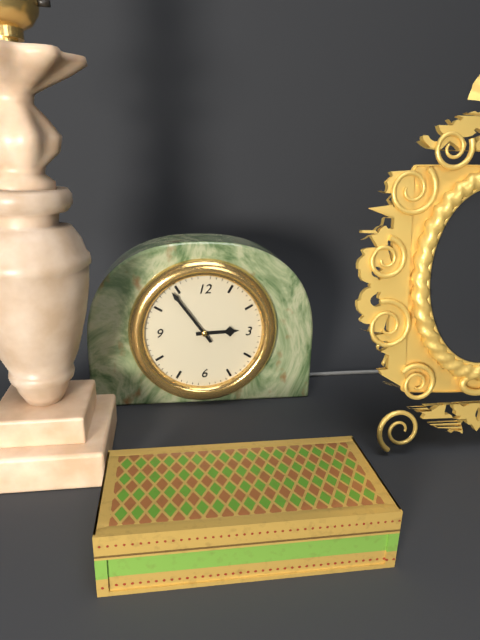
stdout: 2:54
